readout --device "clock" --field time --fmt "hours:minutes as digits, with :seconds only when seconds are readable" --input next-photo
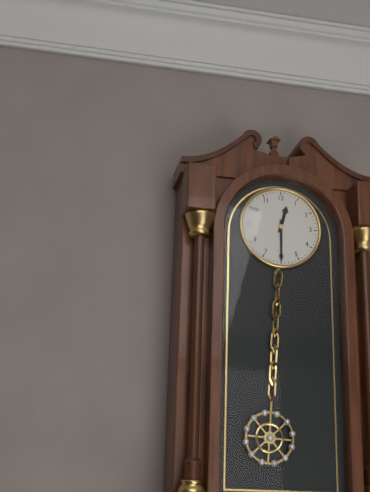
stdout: 12:30
